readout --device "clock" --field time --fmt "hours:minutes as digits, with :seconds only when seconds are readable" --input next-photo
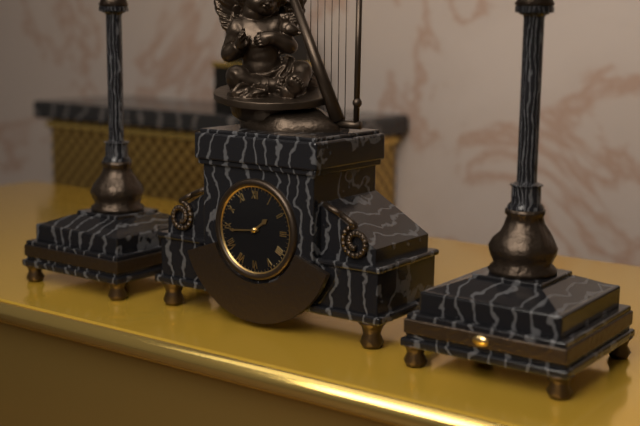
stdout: 1:44
